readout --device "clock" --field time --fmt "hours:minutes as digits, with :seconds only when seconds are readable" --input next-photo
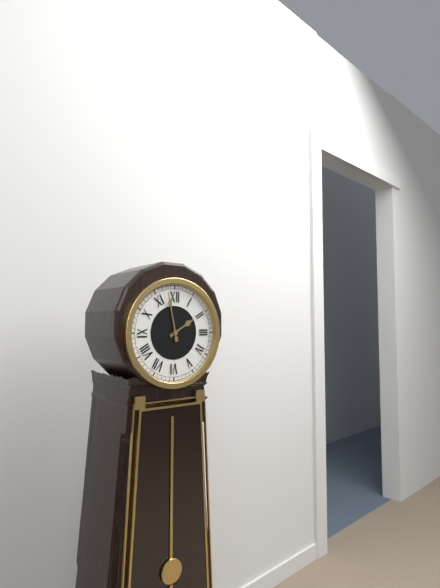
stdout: 1:58
